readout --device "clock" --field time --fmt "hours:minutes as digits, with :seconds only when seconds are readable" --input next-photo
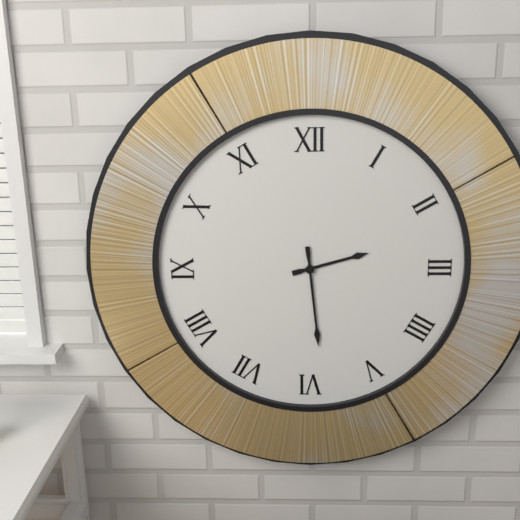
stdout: 2:29
